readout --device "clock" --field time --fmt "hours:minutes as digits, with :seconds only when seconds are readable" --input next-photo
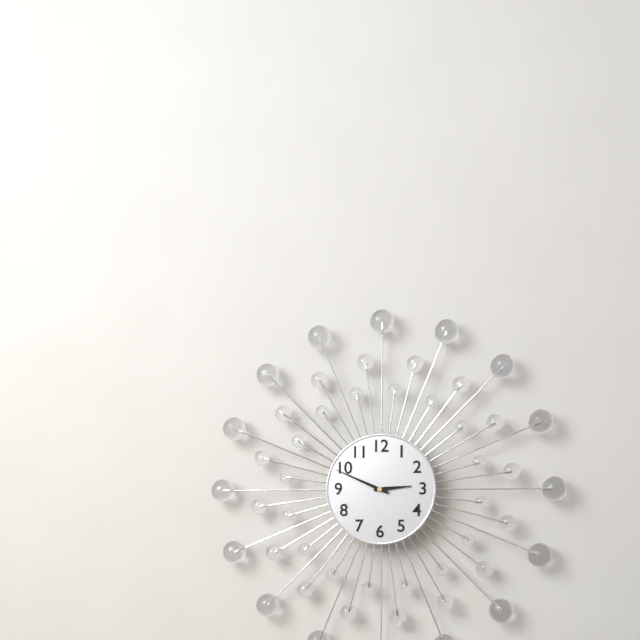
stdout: 2:49
